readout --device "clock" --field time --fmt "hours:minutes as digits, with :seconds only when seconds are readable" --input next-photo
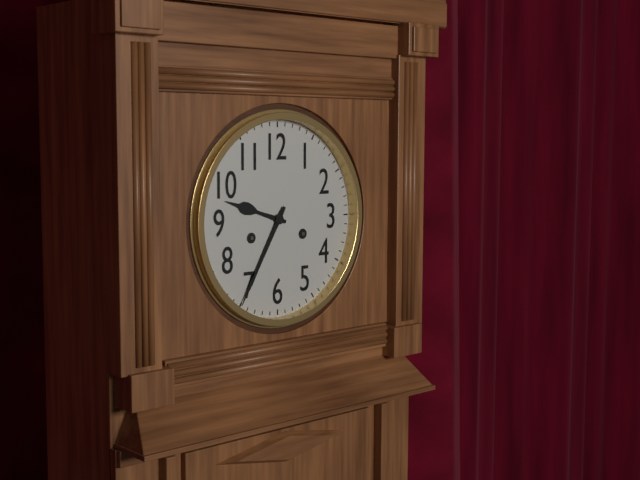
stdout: 9:35
